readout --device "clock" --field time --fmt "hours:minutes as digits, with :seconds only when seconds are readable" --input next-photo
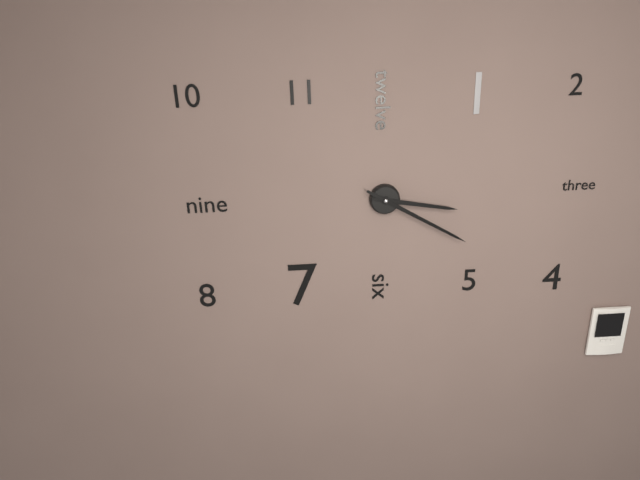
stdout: 3:20
